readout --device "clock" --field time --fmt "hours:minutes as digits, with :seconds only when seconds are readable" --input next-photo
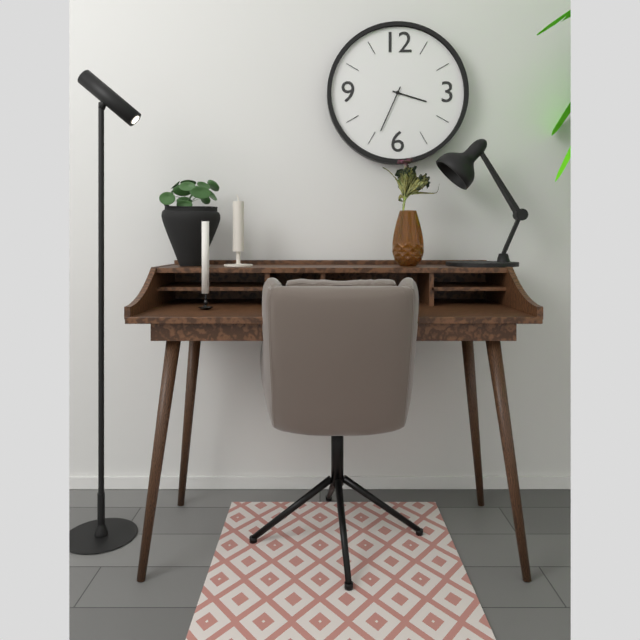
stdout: 3:34
